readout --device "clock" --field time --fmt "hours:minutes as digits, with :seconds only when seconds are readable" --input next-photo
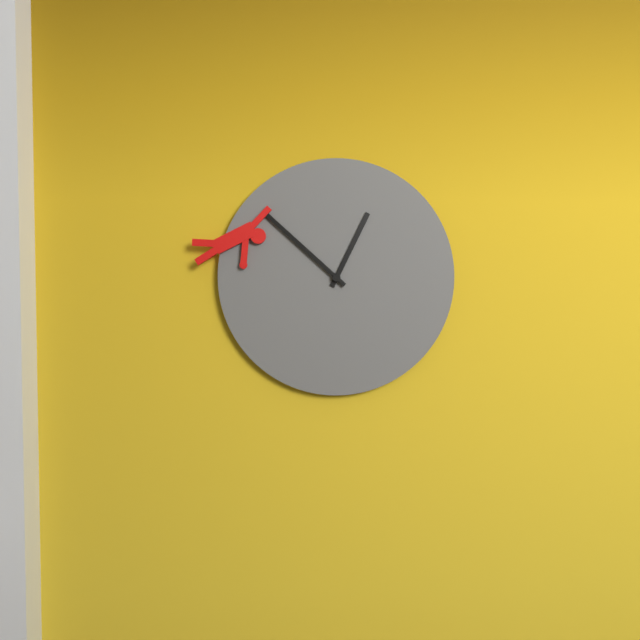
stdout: 12:52
